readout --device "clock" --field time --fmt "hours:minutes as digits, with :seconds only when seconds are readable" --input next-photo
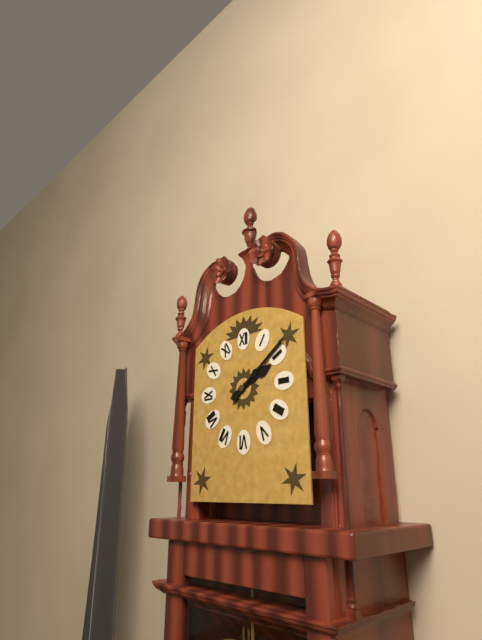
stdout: 2:09
